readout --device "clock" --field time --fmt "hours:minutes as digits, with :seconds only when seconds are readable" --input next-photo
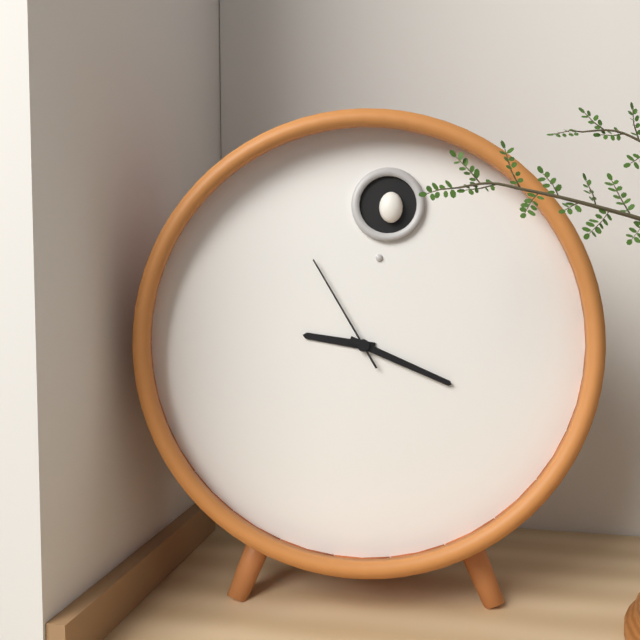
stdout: 9:19:55
